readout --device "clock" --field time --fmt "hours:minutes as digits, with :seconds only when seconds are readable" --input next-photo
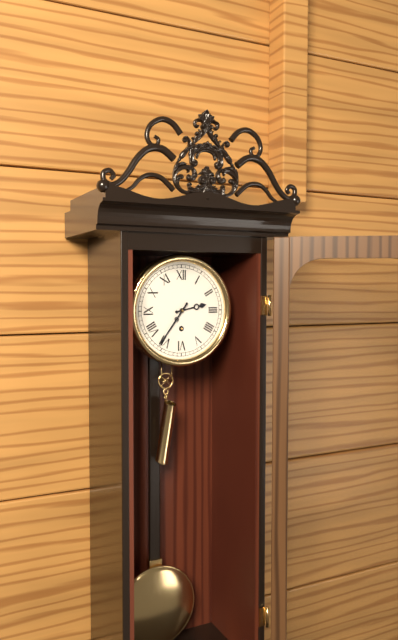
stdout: 2:36
